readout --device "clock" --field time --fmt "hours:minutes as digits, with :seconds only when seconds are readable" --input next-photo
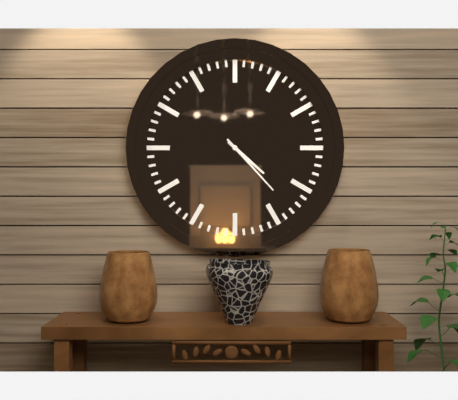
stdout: 4:23
